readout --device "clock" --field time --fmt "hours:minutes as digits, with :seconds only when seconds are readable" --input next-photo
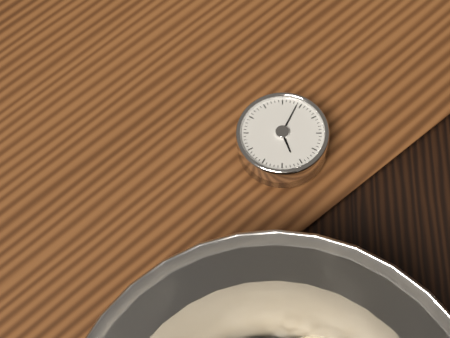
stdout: 8:19
